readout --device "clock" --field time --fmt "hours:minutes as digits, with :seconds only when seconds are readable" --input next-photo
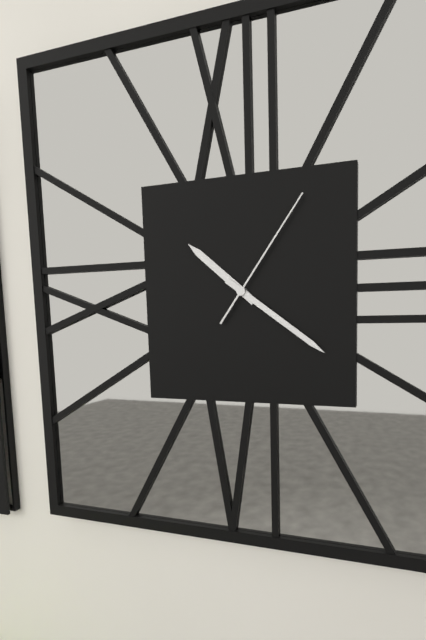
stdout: 10:21:06
